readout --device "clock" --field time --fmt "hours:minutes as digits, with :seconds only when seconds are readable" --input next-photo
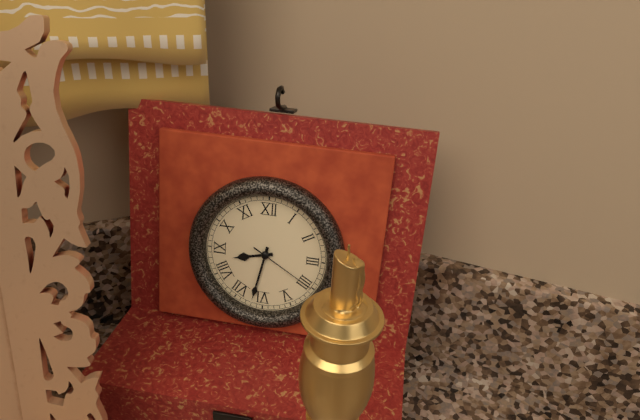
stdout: 8:32:20
